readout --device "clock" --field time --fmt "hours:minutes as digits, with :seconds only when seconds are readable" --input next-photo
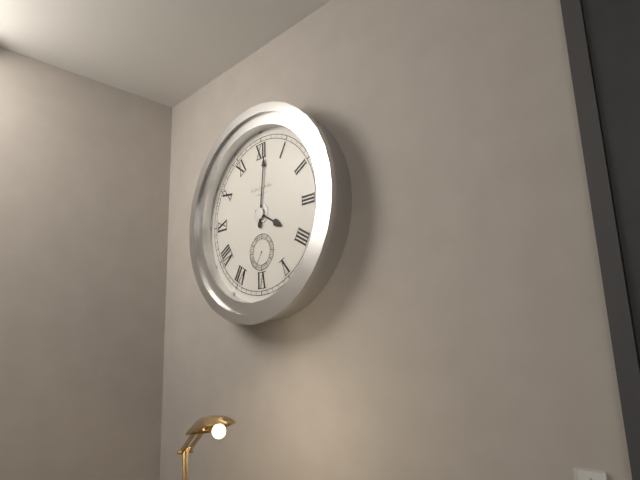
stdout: 4:01
